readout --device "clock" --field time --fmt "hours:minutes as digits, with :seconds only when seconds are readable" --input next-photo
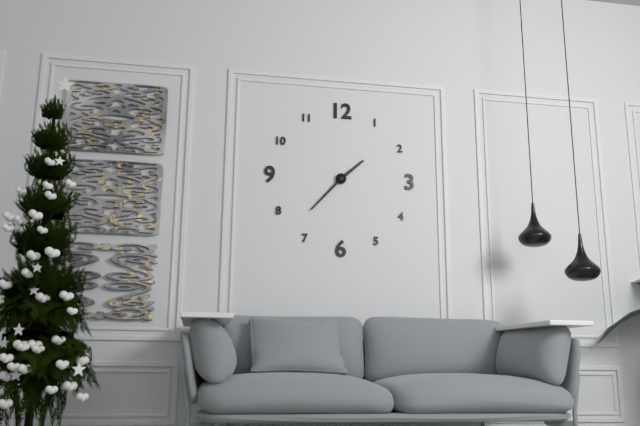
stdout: 1:37
